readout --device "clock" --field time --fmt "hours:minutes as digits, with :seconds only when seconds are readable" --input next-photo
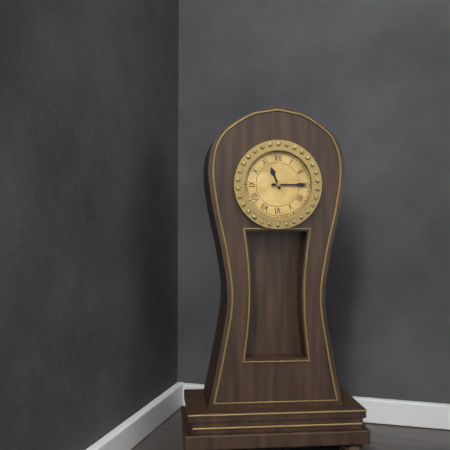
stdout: 11:15
